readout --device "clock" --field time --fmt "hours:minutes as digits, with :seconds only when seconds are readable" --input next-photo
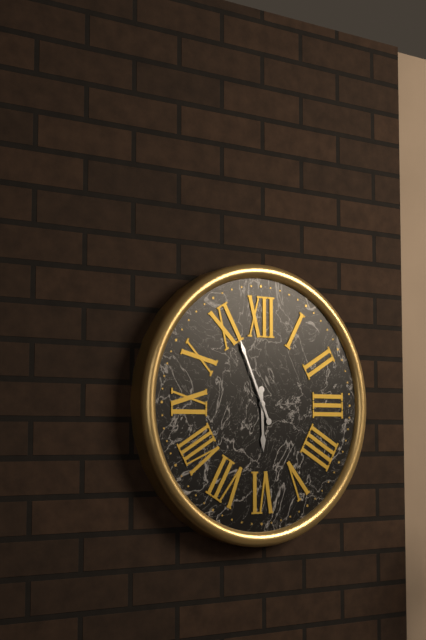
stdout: 5:56
